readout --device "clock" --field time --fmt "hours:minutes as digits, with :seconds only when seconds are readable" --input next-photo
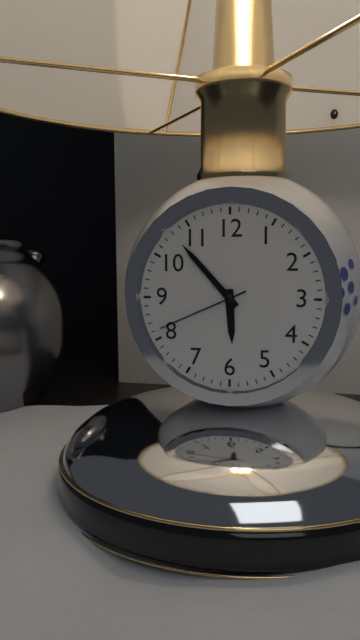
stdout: 5:53:41
